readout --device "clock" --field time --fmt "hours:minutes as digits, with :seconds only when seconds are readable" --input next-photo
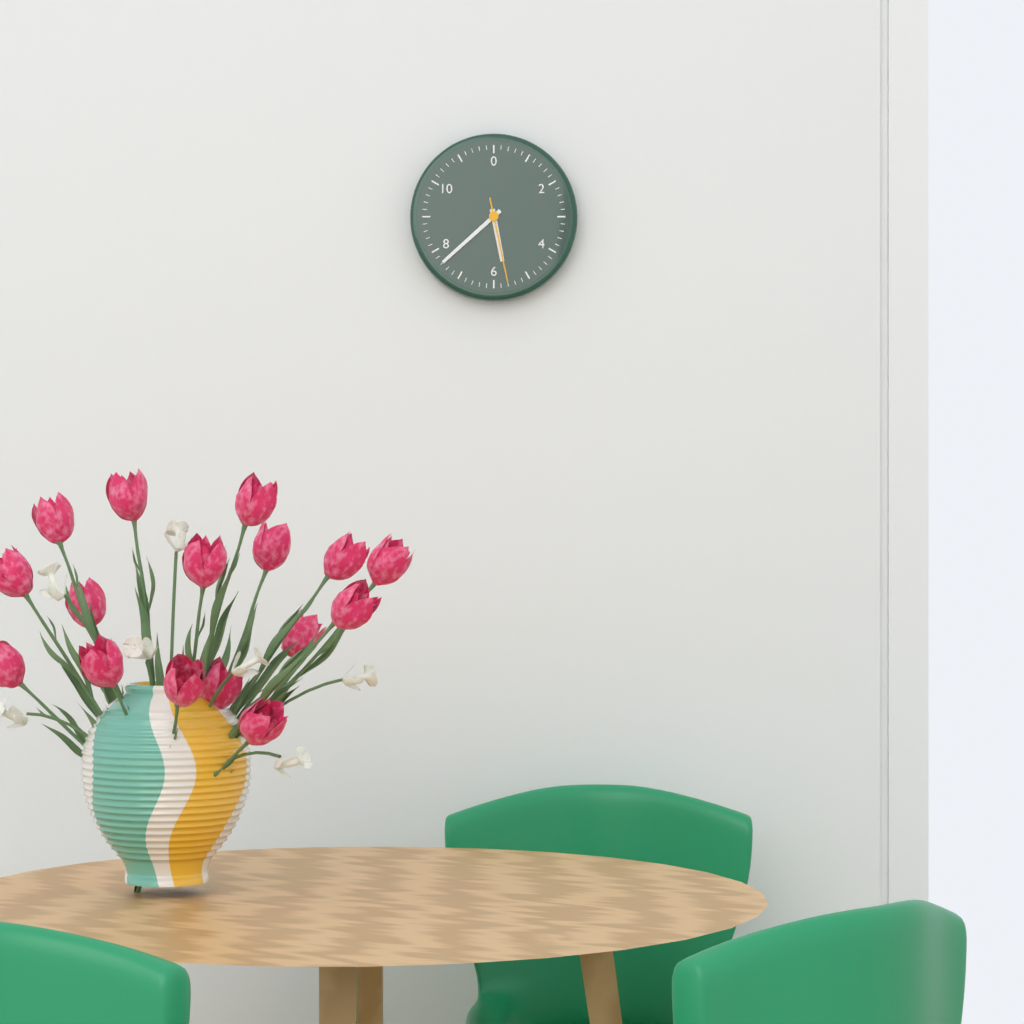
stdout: 5:38:28
